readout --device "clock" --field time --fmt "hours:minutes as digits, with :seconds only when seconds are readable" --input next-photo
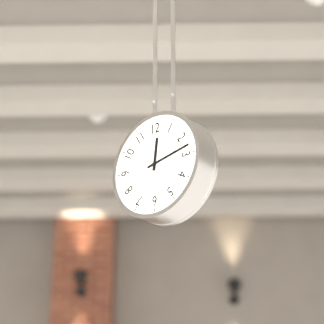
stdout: 12:13
